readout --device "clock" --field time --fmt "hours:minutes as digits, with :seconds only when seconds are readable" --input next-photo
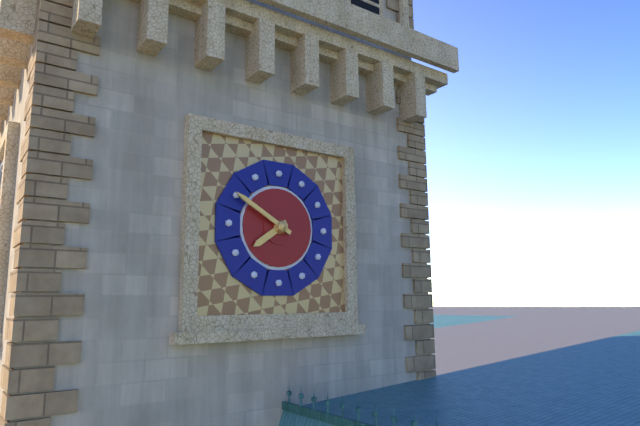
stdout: 7:50
